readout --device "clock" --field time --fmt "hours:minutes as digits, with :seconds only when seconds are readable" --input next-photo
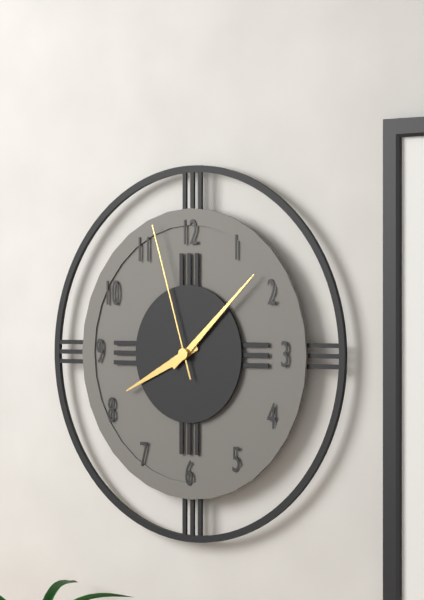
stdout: 8:08:57
